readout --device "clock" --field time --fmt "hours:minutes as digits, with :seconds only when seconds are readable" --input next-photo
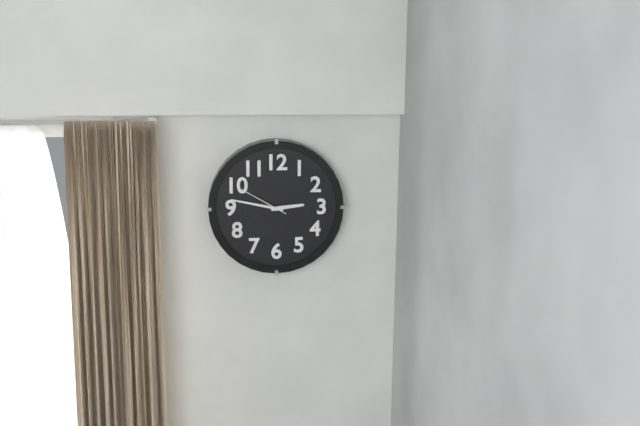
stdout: 2:47:50
